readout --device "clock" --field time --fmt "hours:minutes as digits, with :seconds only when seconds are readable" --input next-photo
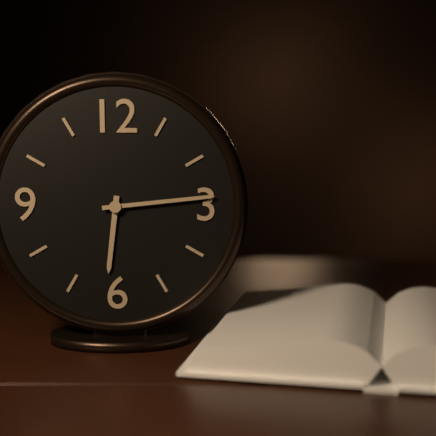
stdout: 6:14
